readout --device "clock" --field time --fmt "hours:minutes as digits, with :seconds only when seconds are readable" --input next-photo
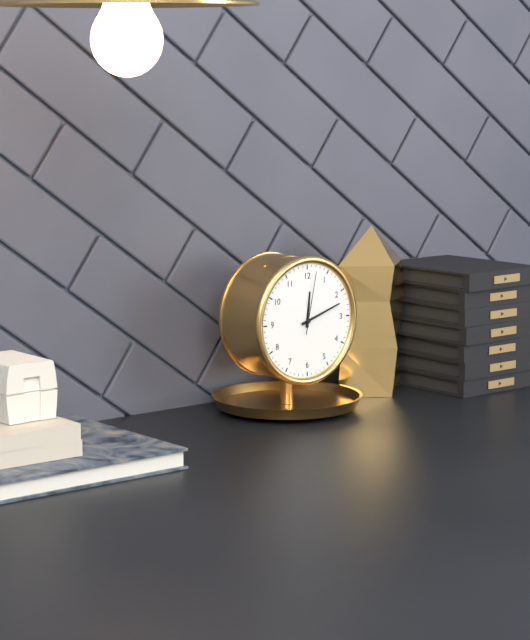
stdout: 12:12:02
